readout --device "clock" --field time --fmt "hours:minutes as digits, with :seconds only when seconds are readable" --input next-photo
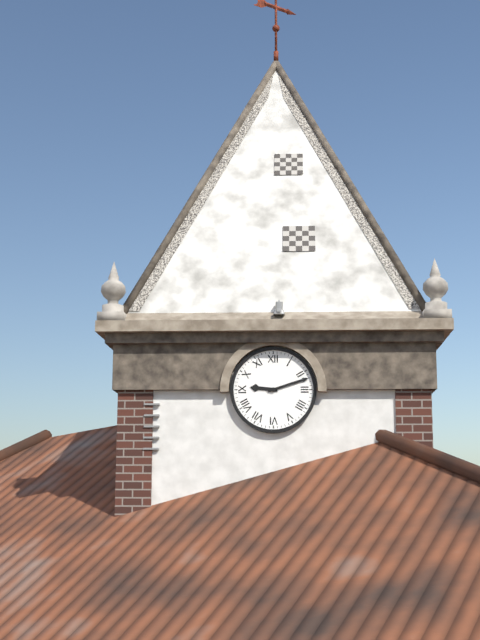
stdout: 9:12
